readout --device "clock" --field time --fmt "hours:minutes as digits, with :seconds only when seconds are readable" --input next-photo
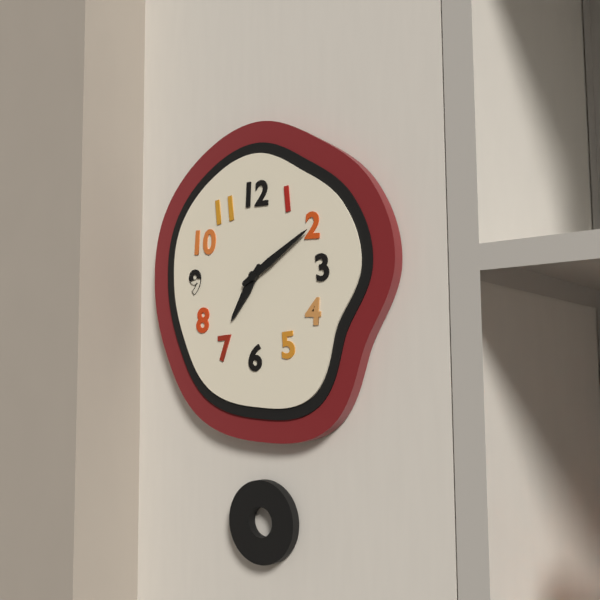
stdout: 7:10
